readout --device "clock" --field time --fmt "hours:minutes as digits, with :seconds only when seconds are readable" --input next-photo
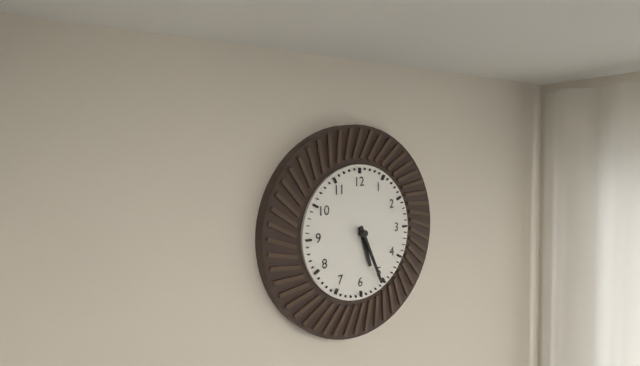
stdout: 5:26
